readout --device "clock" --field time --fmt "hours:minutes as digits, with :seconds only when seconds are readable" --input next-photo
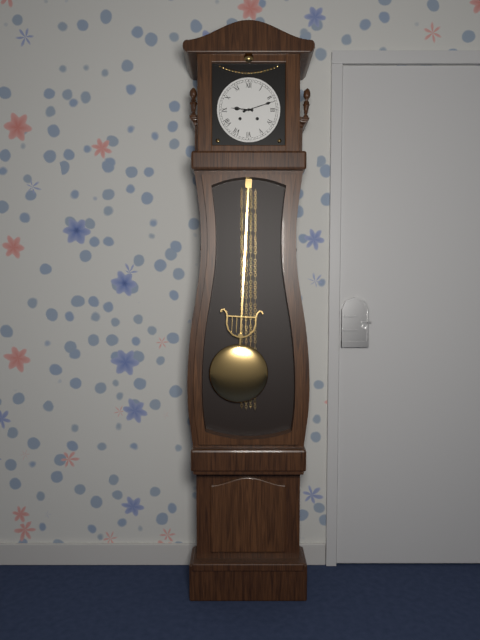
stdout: 9:12
